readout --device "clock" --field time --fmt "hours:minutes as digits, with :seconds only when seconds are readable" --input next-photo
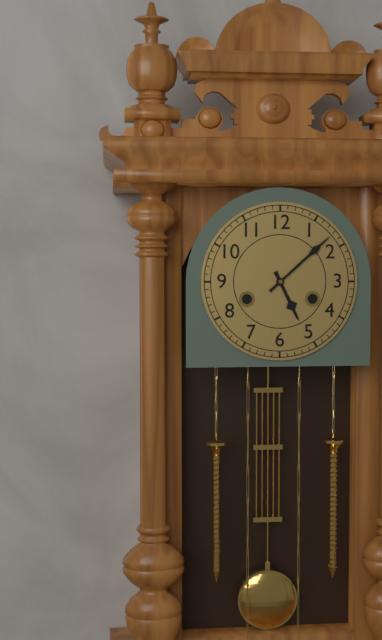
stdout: 5:08
